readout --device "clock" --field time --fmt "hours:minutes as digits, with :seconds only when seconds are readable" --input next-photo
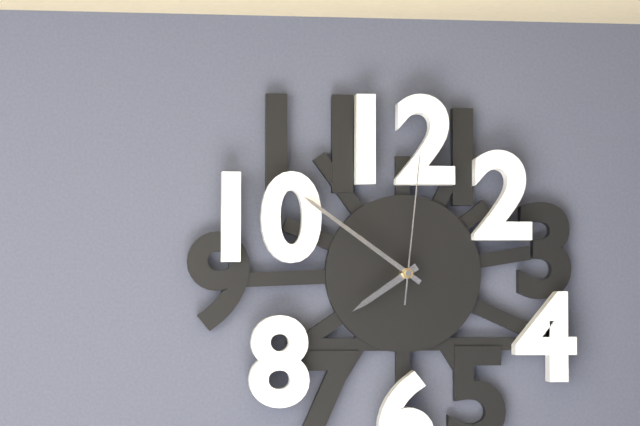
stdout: 7:51:01
